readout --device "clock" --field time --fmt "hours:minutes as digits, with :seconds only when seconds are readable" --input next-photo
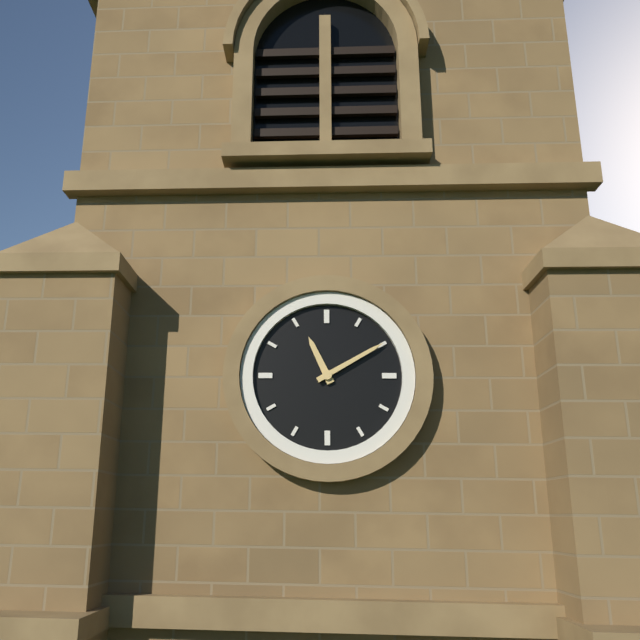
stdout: 11:10
